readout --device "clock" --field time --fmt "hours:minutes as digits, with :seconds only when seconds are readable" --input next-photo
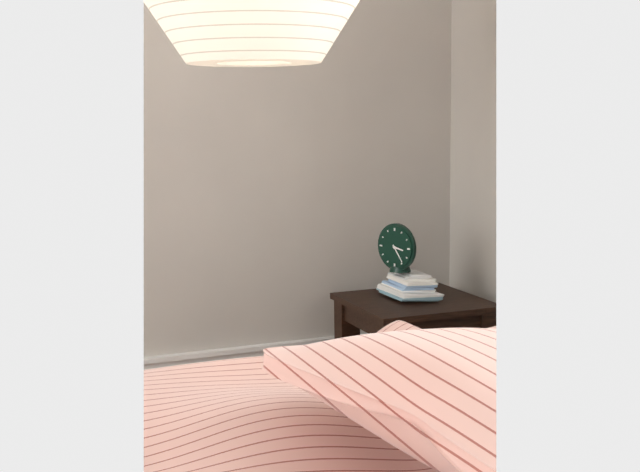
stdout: 3:24
